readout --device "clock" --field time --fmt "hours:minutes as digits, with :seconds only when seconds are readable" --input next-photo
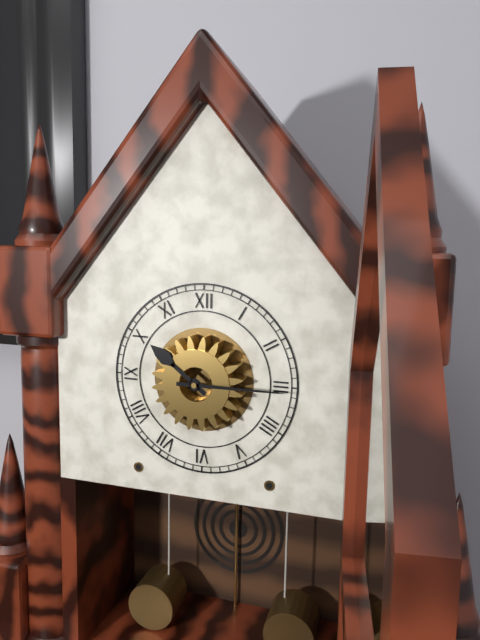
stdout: 10:15
